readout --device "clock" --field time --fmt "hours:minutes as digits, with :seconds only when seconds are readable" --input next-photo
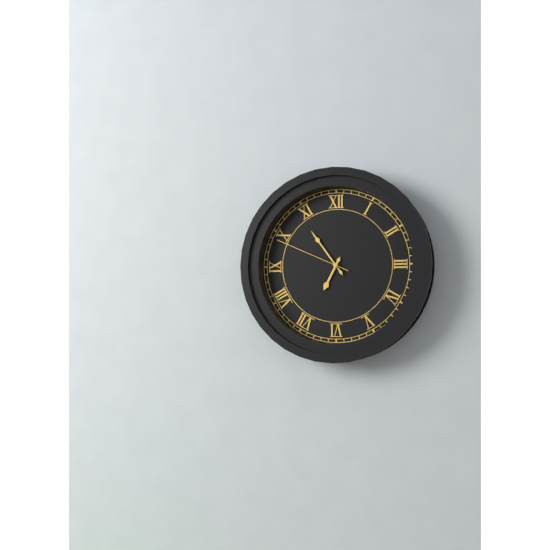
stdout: 6:54:49
